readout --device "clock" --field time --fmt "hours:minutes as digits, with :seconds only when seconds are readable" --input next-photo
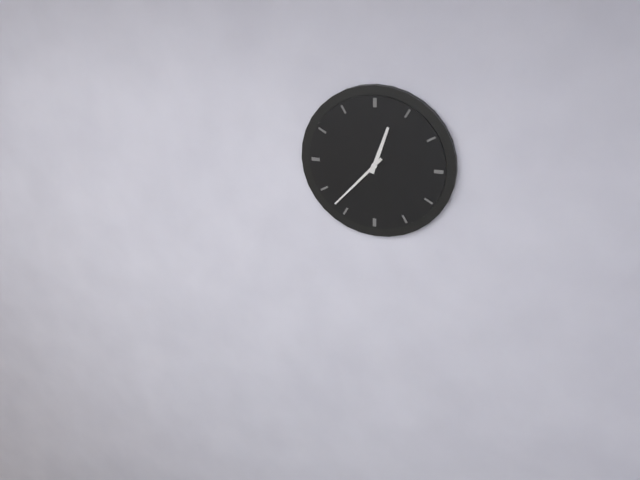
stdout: 12:37
